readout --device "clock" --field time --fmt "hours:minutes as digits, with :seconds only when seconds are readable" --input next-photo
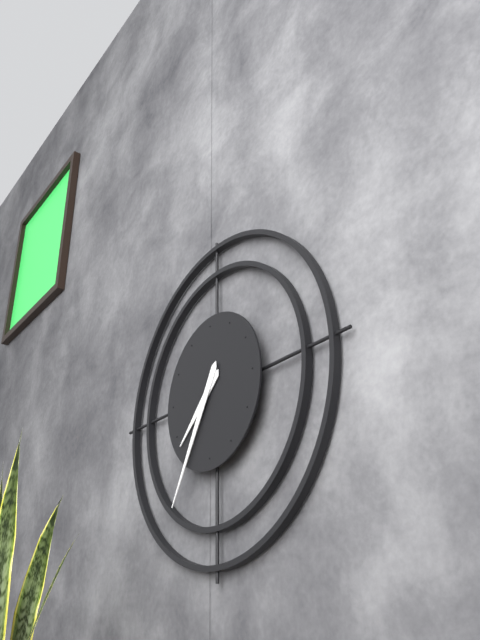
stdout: 7:35
